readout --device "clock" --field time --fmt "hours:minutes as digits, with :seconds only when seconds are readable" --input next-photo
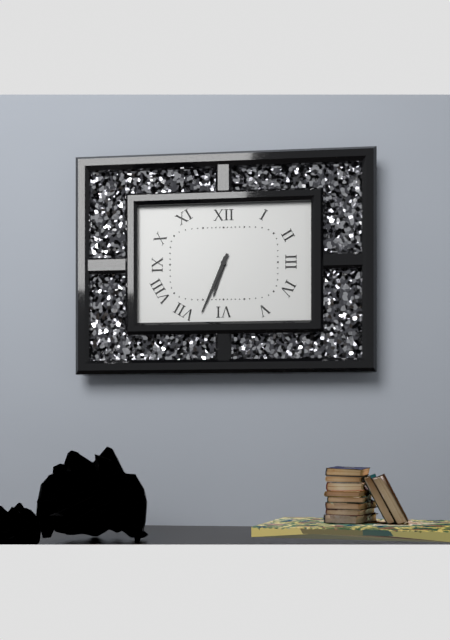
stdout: 6:34
